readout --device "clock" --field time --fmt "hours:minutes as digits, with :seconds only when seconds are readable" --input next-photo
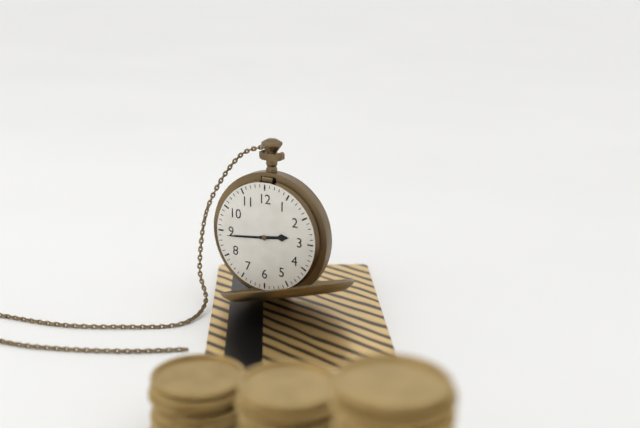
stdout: 2:44
